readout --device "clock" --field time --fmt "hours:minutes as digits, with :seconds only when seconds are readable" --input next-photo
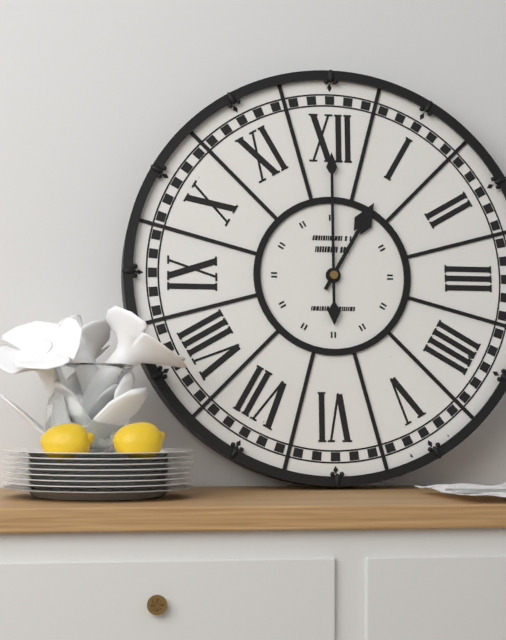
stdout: 1:00
